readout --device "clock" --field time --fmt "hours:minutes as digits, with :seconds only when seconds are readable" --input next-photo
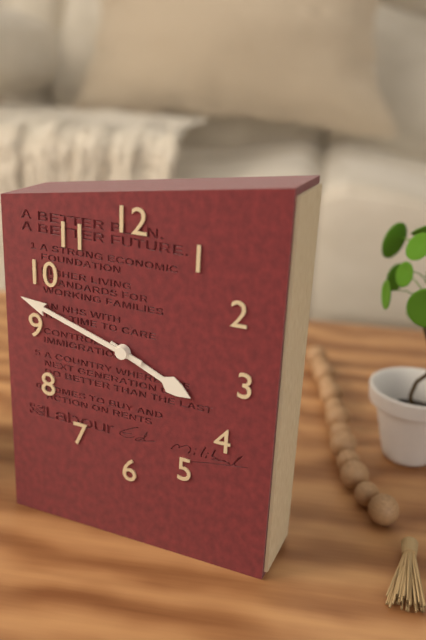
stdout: 3:48
